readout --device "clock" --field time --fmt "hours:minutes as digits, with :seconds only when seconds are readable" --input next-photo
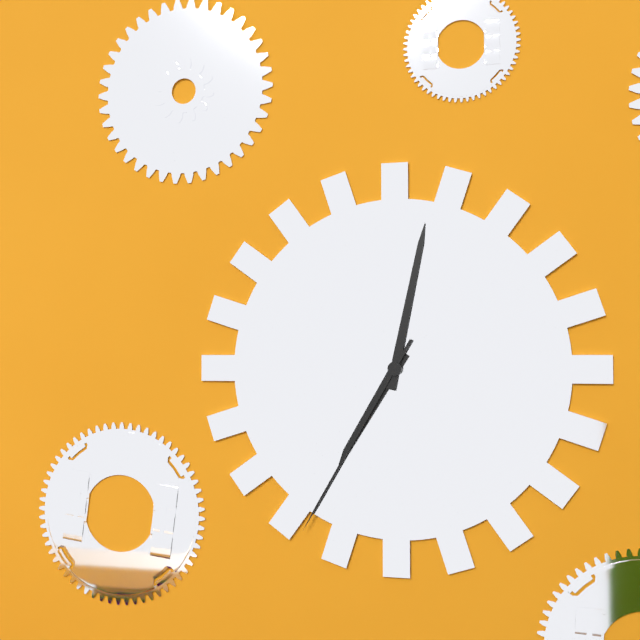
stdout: 7:02:35
